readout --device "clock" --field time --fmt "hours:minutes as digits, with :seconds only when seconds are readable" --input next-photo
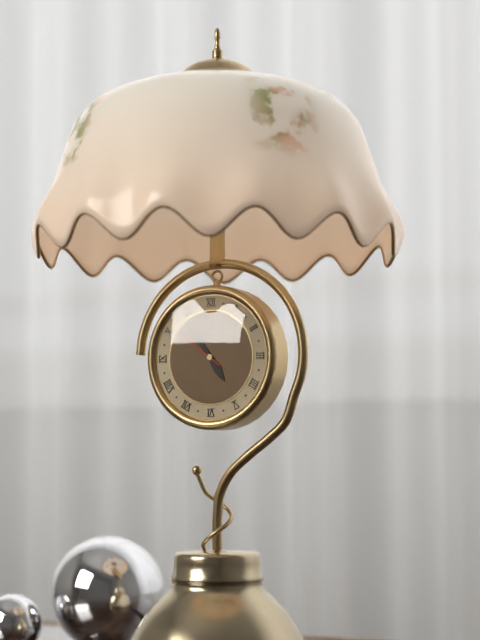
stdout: 4:54:51
